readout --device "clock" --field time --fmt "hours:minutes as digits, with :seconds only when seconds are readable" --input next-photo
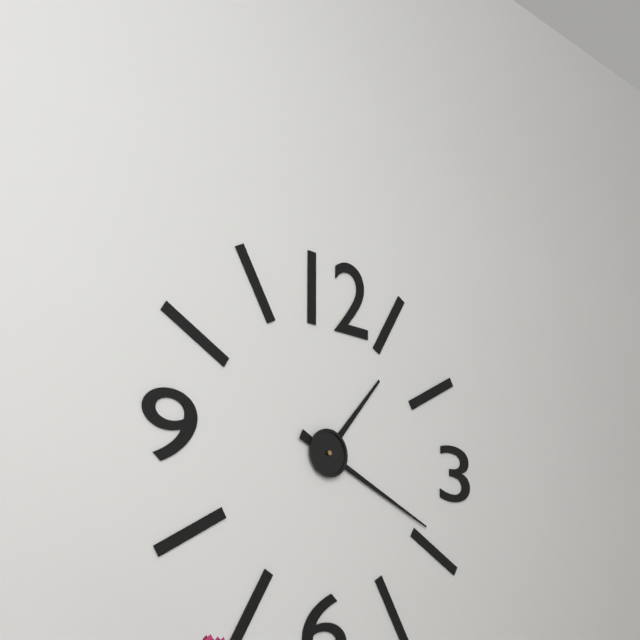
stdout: 1:19
